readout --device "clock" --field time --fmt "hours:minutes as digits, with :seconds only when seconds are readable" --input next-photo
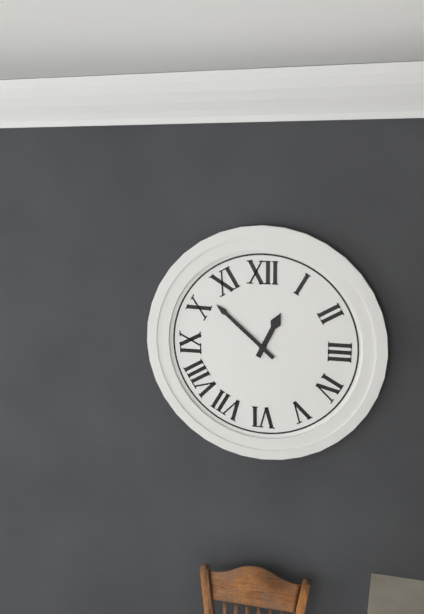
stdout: 12:52
